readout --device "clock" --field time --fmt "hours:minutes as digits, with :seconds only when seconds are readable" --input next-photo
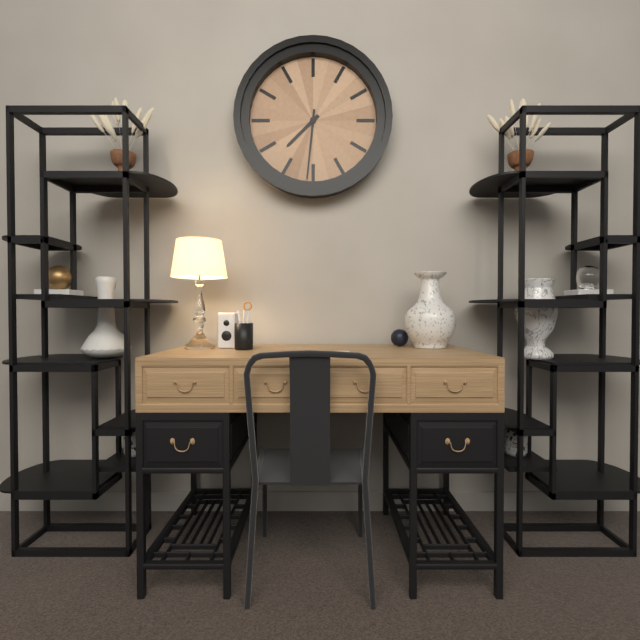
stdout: 7:31
